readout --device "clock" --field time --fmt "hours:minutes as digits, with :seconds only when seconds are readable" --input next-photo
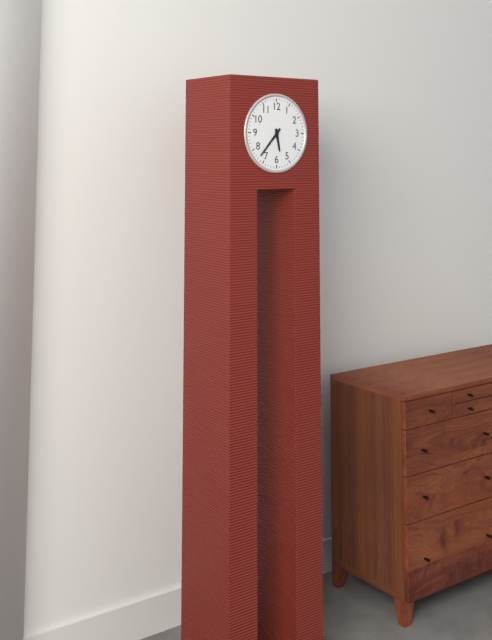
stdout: 5:37
